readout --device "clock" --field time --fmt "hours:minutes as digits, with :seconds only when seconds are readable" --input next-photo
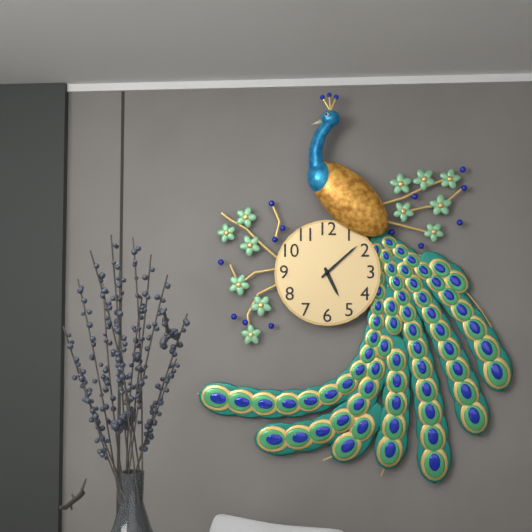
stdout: 5:08
